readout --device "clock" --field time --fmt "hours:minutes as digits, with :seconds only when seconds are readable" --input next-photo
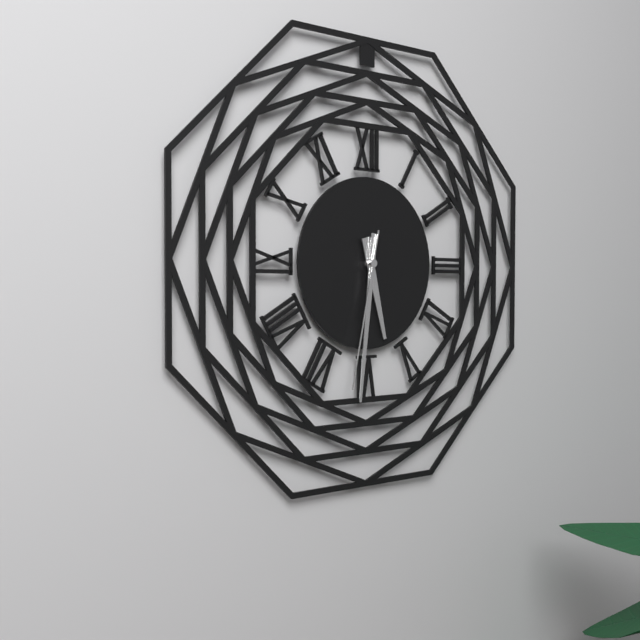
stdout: 5:31:32
